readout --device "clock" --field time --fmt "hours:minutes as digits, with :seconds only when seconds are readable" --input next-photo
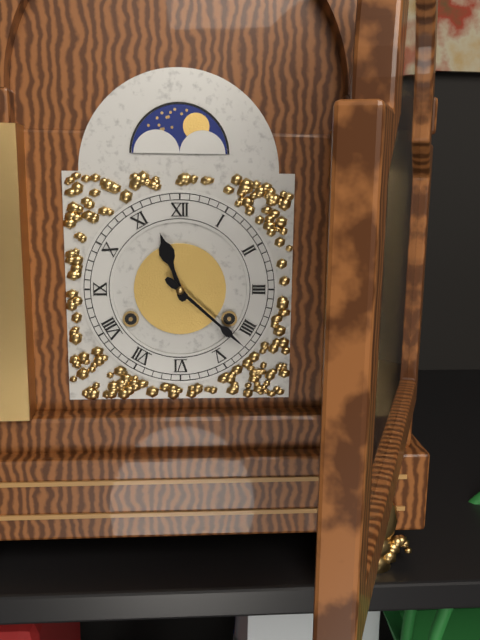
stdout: 11:22
